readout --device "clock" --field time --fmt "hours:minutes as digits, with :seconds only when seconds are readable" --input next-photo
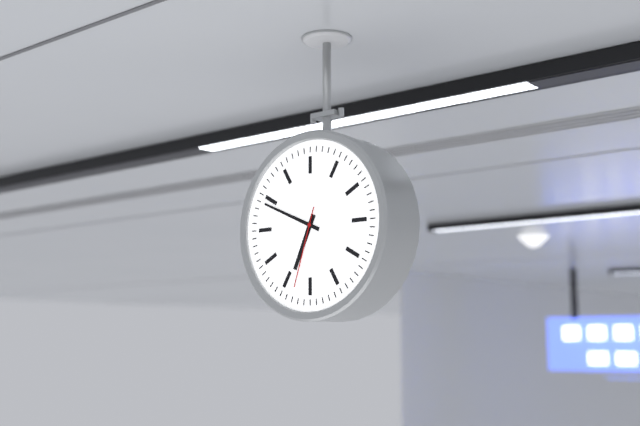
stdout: 6:49:33
